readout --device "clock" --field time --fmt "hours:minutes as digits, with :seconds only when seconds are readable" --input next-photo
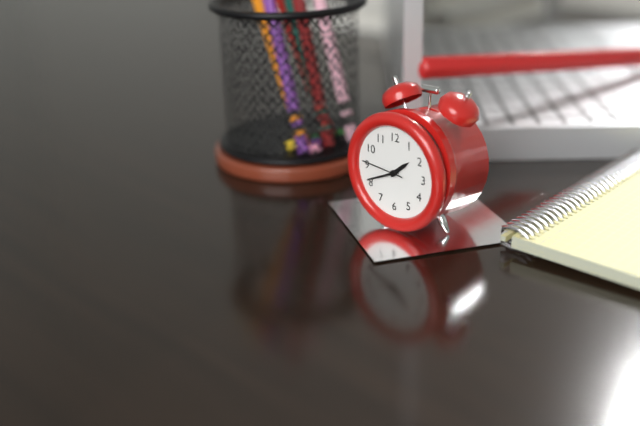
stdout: 1:41
